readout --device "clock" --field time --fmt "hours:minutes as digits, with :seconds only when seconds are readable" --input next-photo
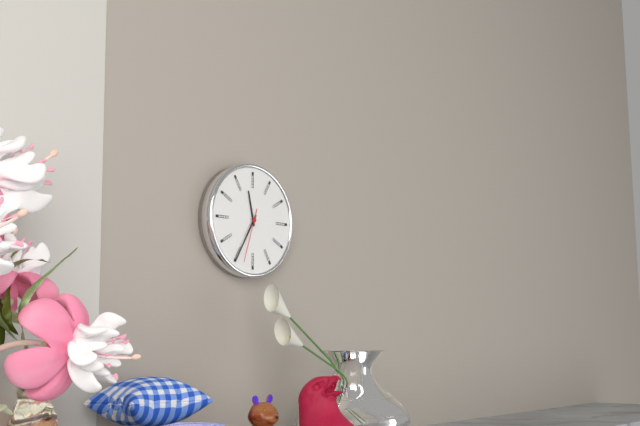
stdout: 11:35:33
